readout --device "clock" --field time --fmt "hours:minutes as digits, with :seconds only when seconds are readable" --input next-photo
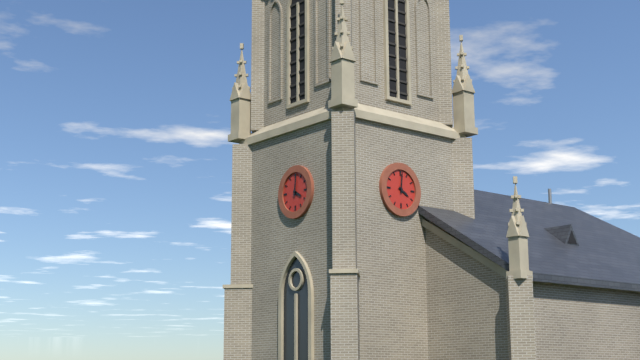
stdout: 4:01
